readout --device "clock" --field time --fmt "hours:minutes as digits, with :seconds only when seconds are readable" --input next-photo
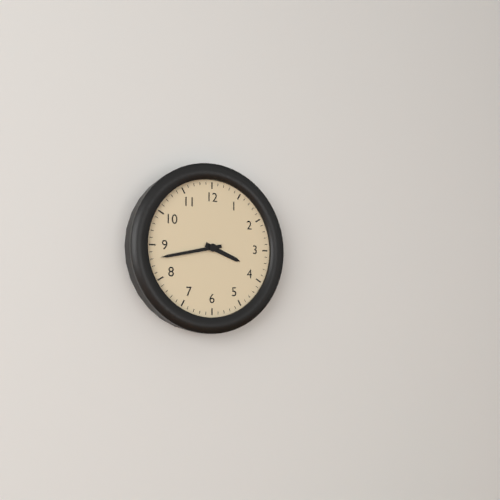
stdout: 3:43
